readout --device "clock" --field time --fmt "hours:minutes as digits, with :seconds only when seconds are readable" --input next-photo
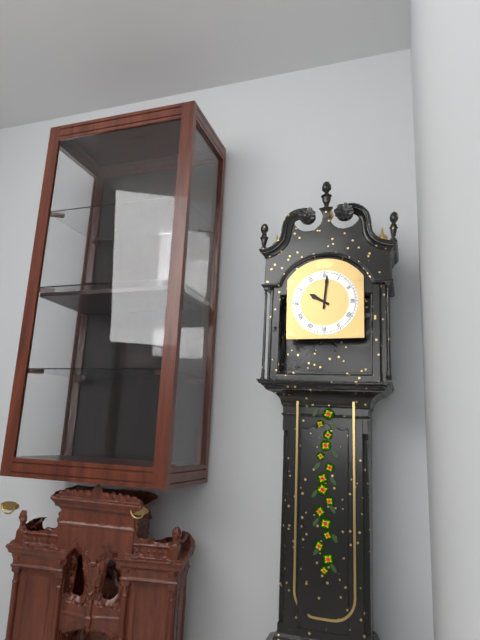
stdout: 10:01
